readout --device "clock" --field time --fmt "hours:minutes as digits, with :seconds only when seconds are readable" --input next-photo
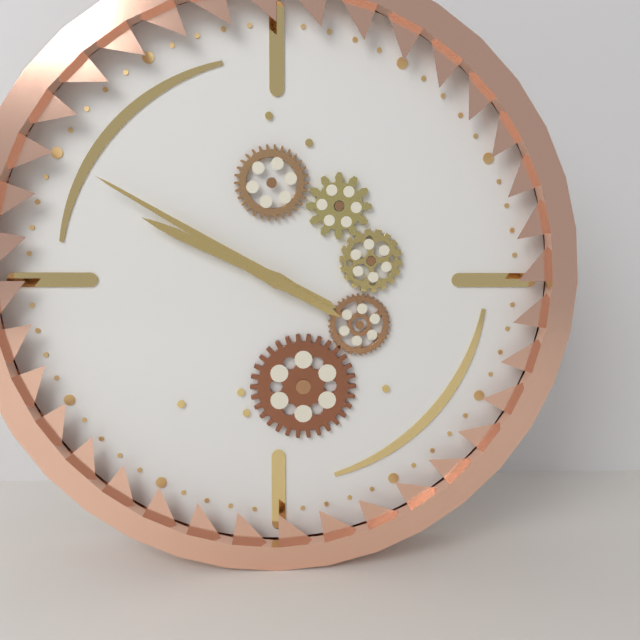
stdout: 9:50
